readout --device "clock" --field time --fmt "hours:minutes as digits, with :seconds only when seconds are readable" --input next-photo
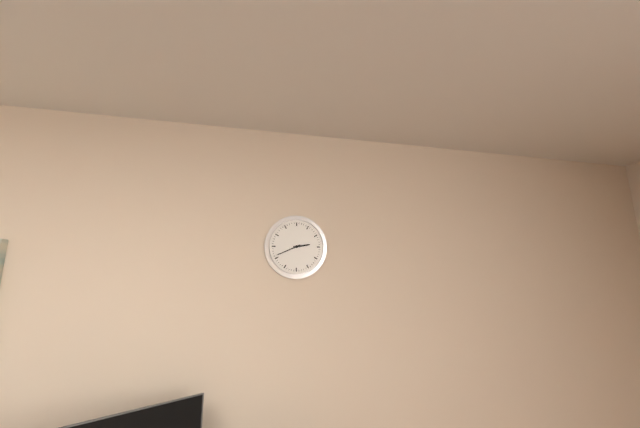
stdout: 2:41
